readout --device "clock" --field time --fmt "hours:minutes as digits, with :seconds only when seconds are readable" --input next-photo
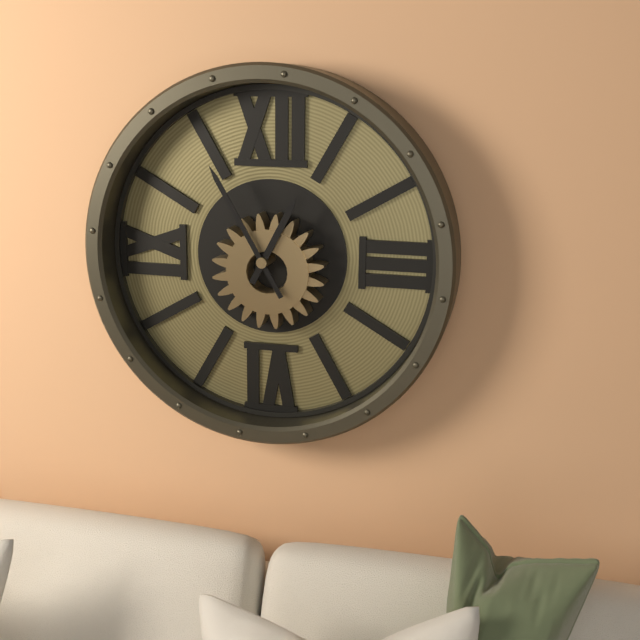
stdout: 12:55
